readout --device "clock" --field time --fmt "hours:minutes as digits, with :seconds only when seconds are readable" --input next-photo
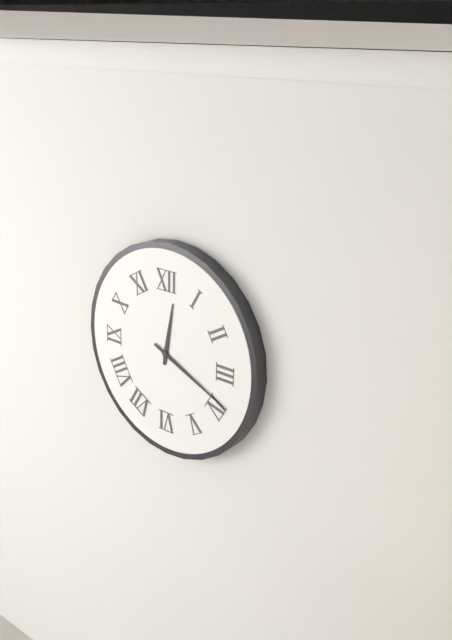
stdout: 12:19
